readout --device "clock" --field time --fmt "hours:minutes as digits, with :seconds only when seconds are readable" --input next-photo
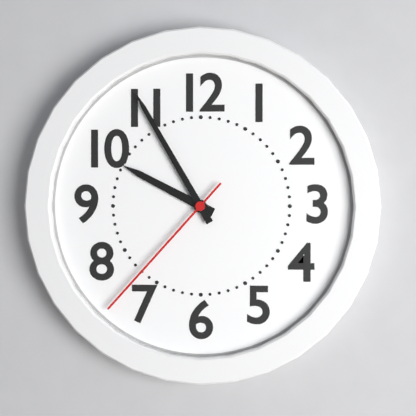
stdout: 9:55:37
